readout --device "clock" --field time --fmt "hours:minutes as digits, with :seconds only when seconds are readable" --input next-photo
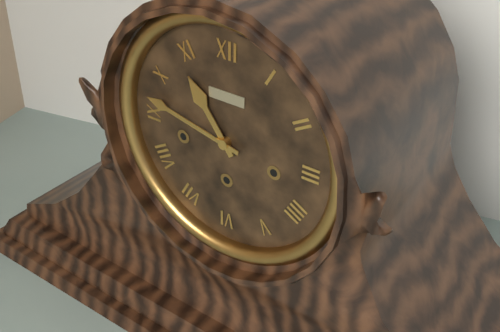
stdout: 10:47
